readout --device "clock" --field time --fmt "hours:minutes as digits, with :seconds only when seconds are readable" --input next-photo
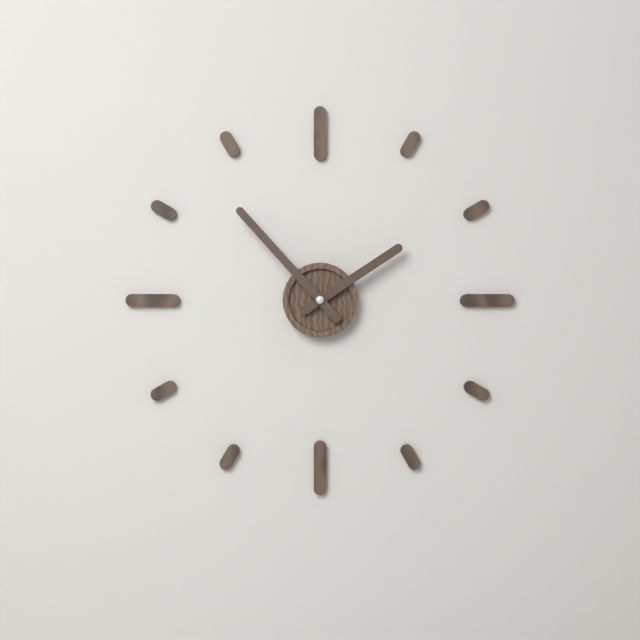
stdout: 1:53
